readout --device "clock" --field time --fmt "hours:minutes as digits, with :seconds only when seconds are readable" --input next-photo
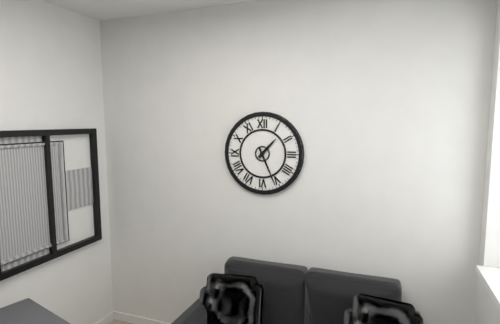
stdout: 1:26
